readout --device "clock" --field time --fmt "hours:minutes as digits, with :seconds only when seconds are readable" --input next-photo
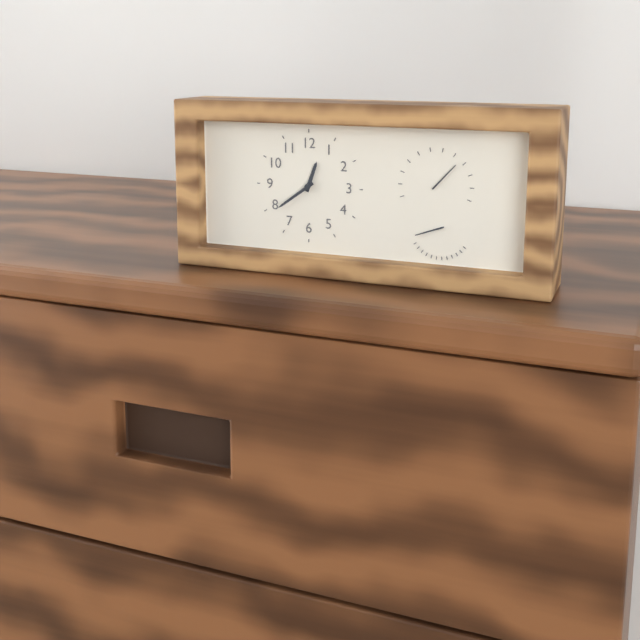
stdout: 12:39
